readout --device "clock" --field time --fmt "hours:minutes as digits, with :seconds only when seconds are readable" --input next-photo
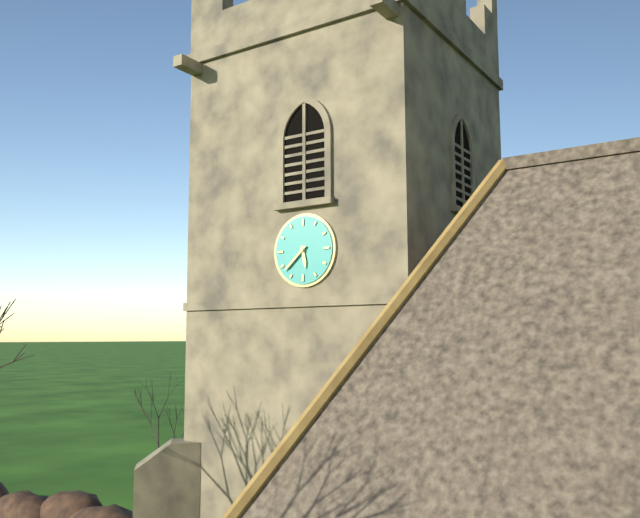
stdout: 5:38
